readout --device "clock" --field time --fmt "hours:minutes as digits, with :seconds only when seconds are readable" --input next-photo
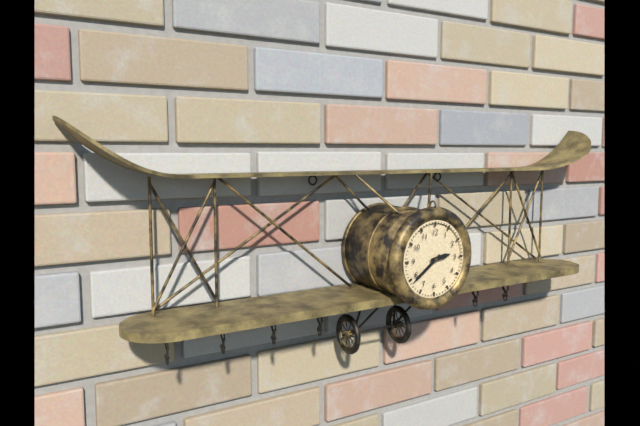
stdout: 2:39
